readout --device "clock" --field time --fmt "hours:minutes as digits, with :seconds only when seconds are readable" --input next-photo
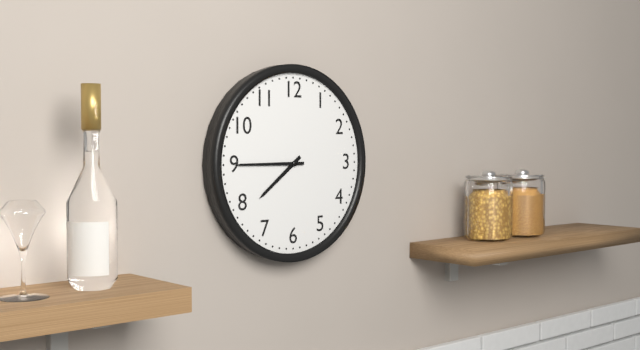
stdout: 7:45
